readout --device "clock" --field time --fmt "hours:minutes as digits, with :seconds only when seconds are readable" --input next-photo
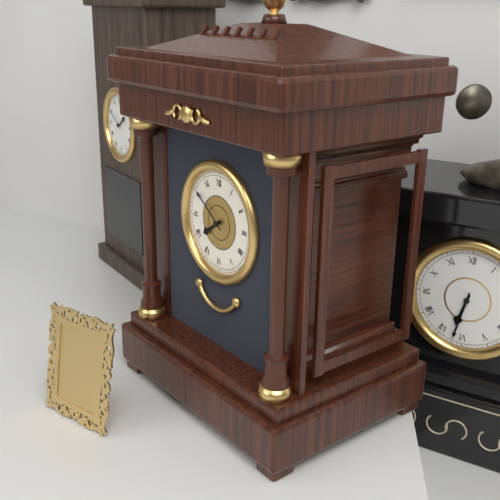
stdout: 7:51
